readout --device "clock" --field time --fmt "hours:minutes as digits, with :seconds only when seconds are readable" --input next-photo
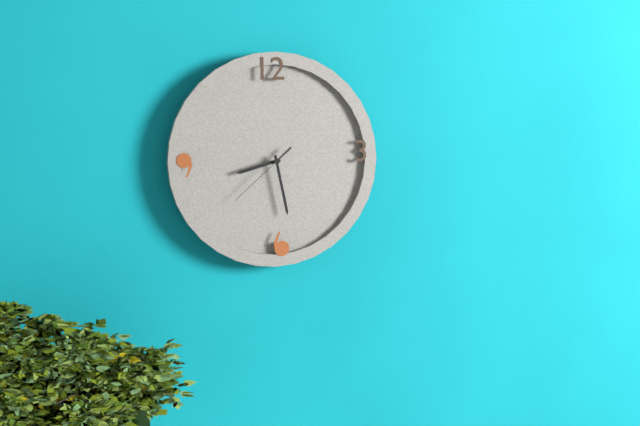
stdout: 8:28:38
